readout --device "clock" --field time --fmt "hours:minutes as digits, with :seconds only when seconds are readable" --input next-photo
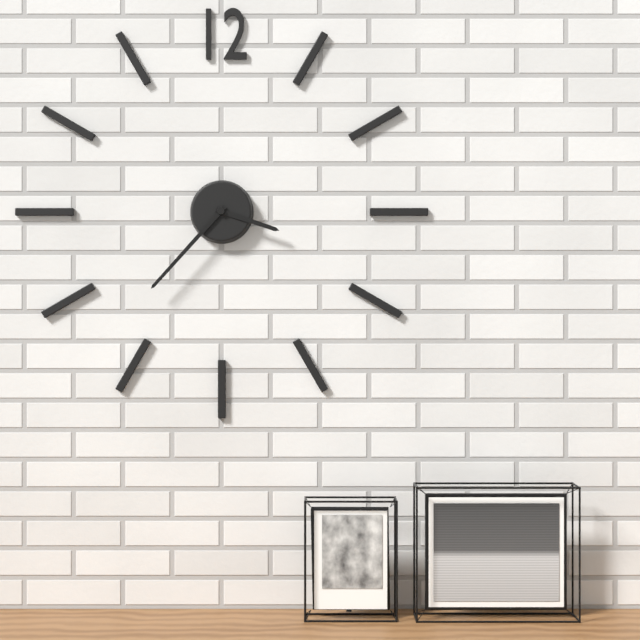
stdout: 3:37
